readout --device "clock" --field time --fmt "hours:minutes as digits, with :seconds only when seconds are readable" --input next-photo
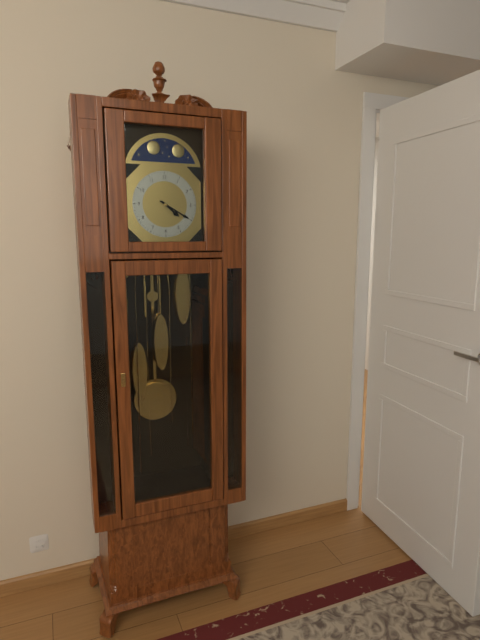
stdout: 4:20
